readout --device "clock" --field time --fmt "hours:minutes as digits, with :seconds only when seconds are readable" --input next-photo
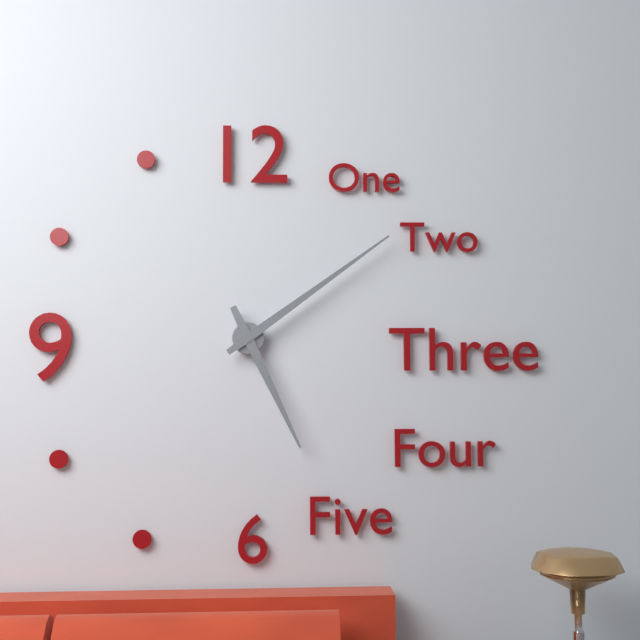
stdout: 5:09
